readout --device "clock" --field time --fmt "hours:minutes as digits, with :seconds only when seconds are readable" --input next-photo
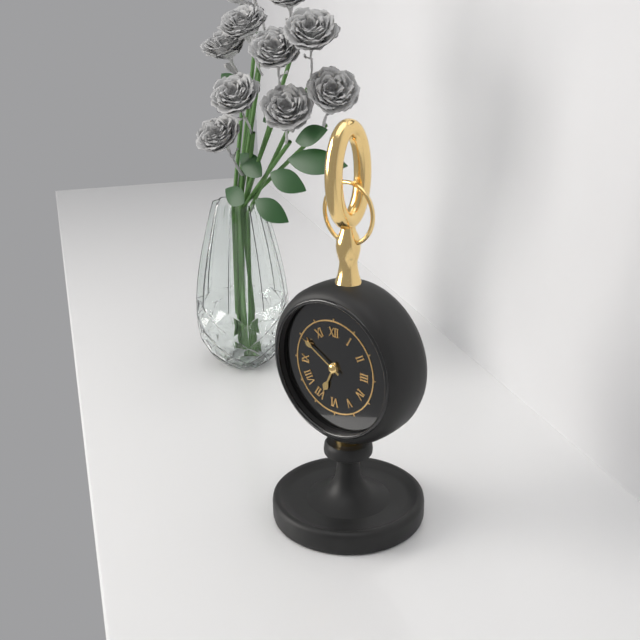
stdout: 6:50
